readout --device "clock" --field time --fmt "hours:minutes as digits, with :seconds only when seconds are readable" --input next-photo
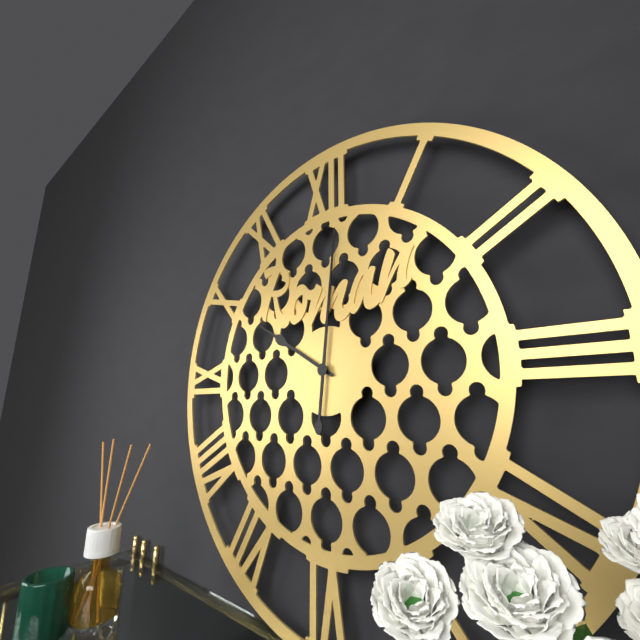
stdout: 10:01
